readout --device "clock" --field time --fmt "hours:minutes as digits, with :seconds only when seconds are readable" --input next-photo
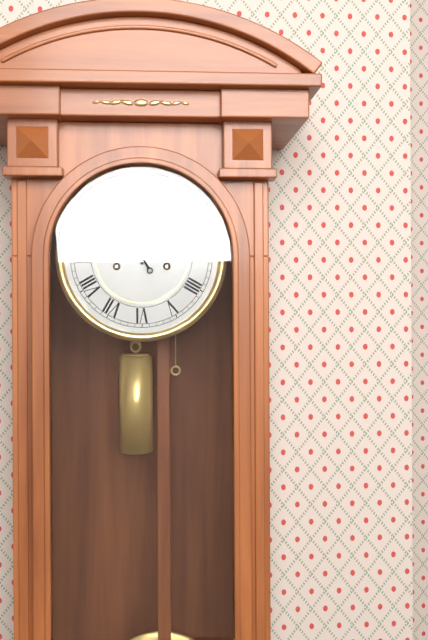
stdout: 11:55
